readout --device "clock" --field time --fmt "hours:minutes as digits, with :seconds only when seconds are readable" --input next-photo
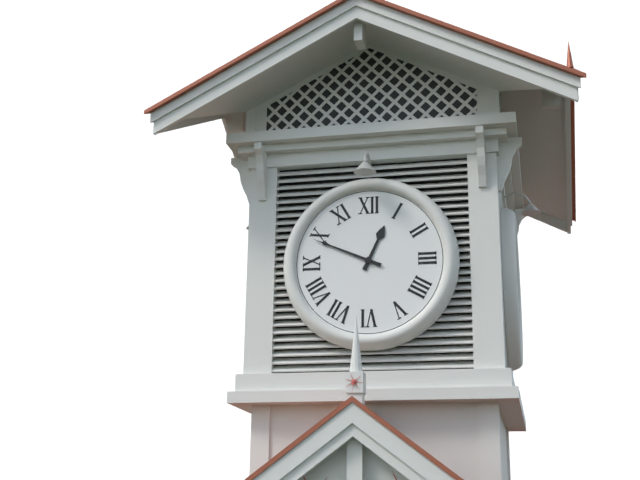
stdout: 12:49
